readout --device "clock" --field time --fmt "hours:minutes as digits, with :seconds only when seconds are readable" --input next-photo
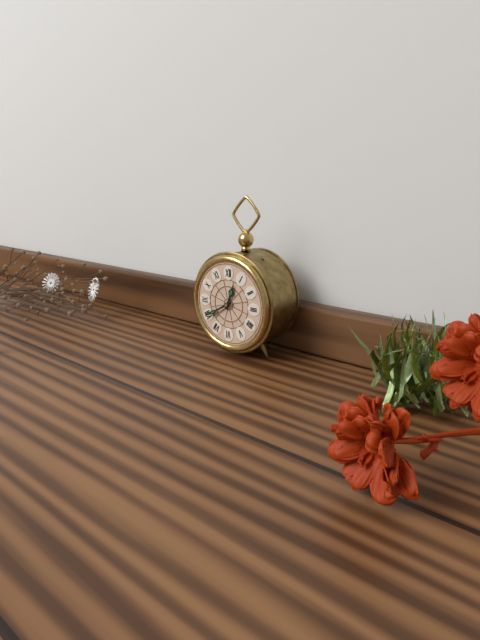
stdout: 12:40
